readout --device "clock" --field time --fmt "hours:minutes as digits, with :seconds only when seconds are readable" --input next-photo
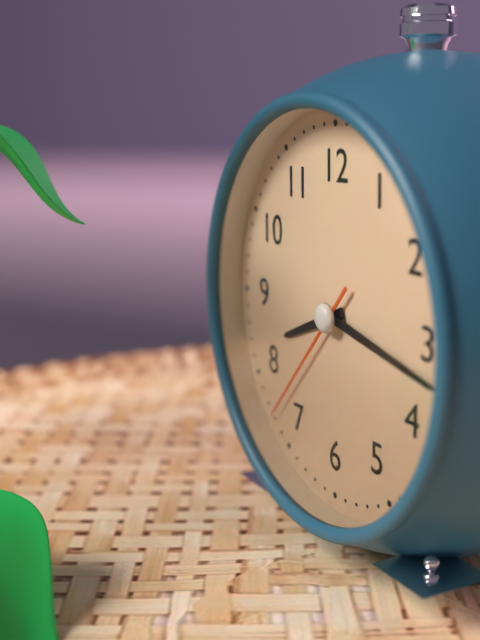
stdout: 8:17:37
